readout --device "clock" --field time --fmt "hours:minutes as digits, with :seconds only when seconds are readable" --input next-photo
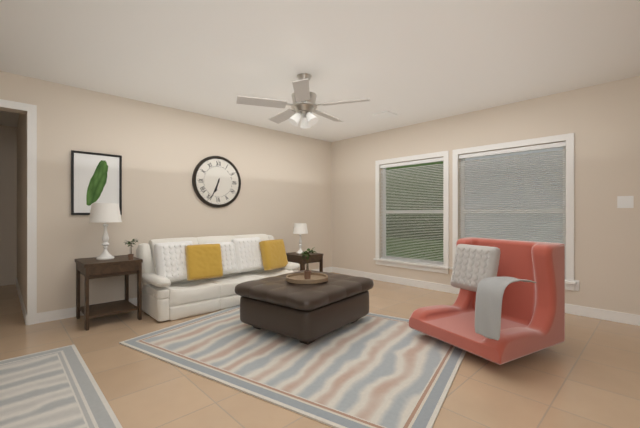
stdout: 6:34
